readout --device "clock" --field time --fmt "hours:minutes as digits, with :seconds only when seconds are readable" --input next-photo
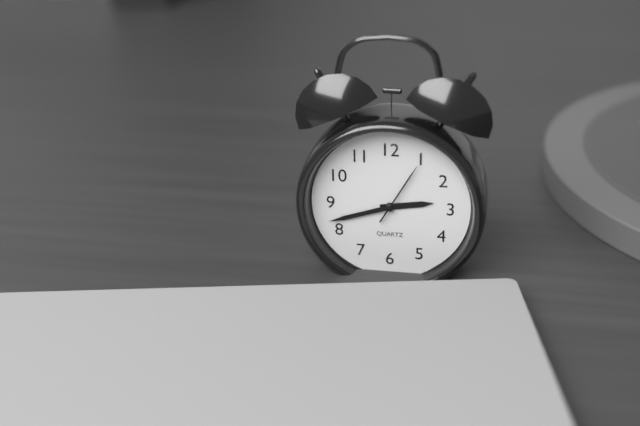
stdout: 2:42:05
